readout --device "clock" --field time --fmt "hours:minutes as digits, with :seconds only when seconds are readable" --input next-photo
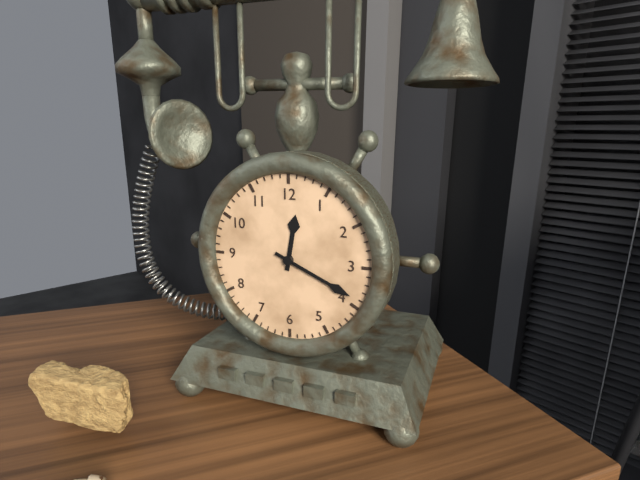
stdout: 12:19
